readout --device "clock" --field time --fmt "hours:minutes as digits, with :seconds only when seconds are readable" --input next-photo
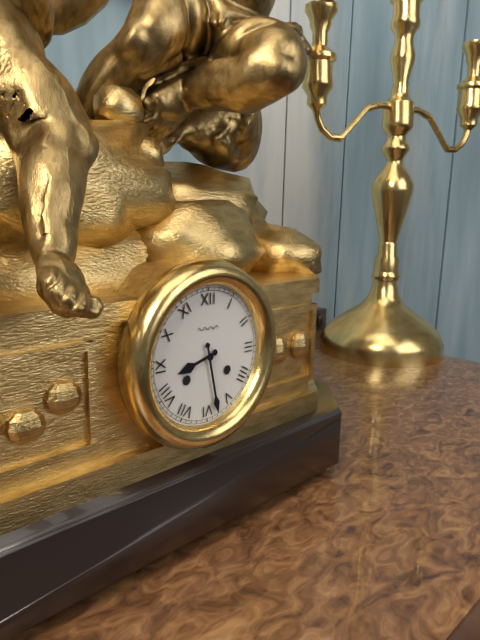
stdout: 8:28
